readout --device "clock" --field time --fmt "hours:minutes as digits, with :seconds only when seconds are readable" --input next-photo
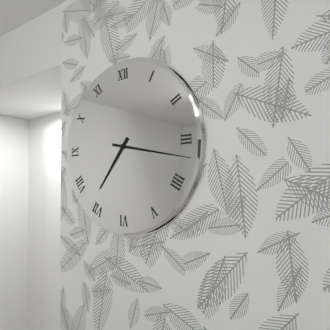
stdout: 7:17
